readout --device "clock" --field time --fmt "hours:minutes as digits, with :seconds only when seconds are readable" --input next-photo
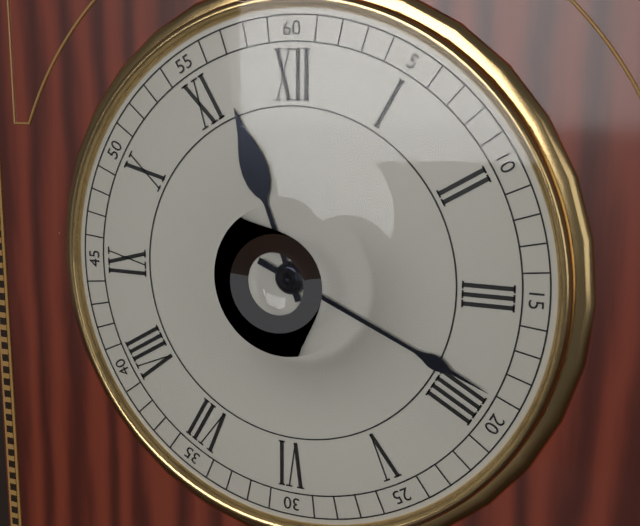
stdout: 11:19
